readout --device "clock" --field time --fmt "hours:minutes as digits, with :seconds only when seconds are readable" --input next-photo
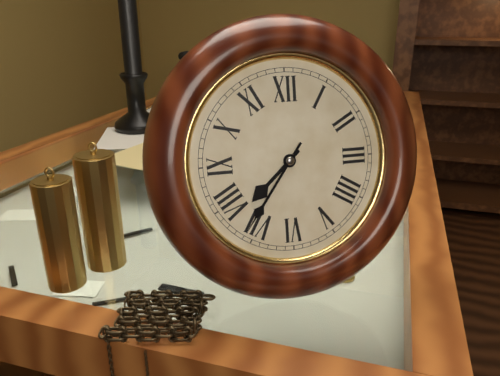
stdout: 7:36
